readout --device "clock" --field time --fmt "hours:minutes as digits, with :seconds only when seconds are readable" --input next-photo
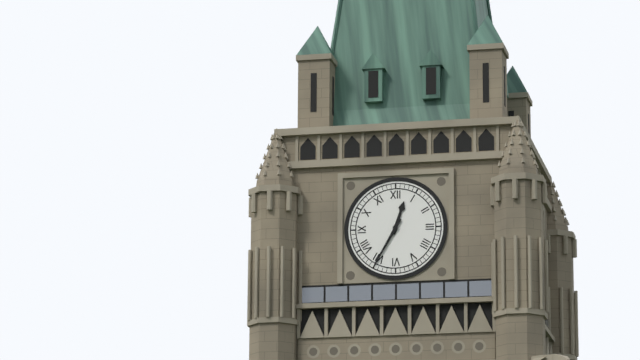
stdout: 12:35
